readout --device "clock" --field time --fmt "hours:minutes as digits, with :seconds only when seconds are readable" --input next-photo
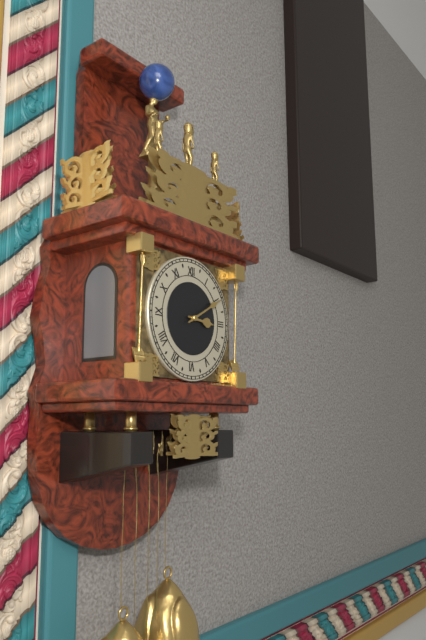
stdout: 3:10
